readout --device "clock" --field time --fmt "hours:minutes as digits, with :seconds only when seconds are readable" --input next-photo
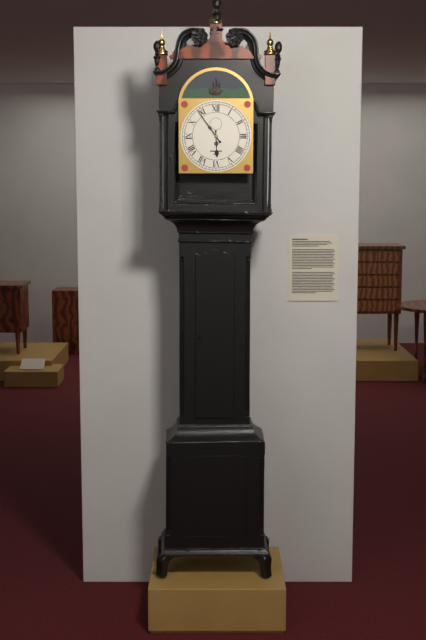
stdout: 5:54
